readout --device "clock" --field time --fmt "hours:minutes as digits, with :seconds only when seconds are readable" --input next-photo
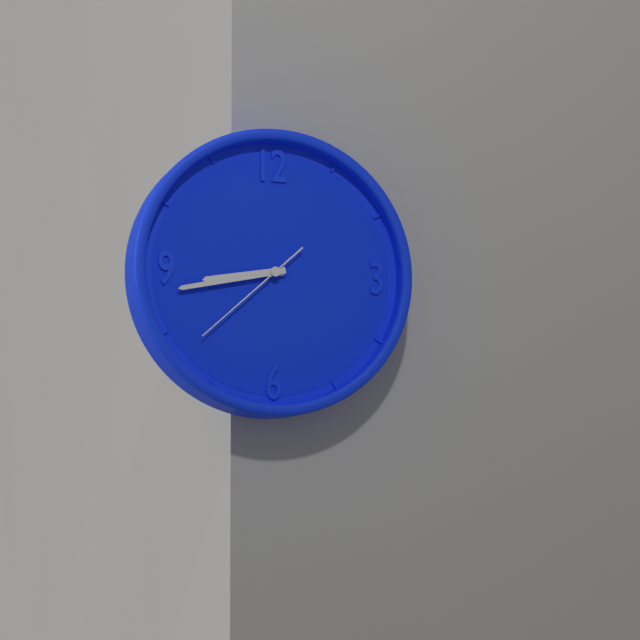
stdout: 8:43:38
